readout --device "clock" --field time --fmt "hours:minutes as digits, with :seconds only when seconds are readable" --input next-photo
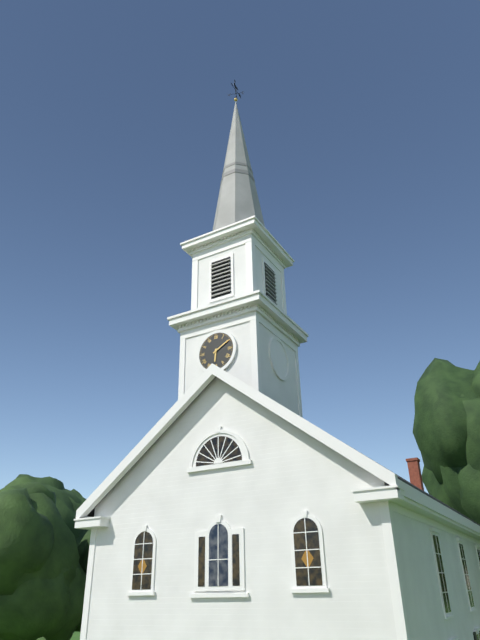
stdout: 6:10
